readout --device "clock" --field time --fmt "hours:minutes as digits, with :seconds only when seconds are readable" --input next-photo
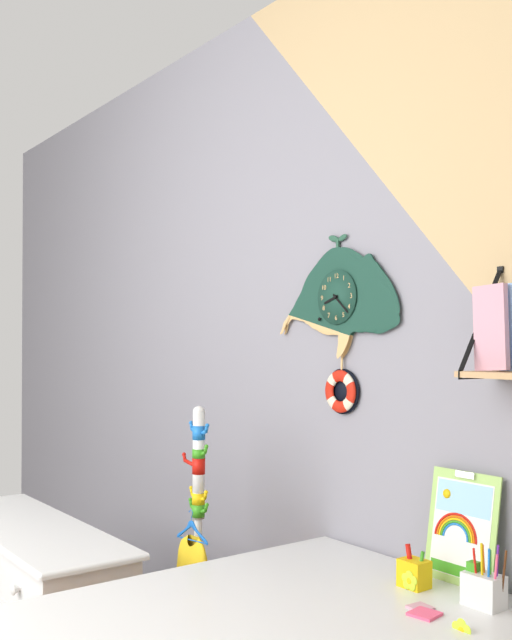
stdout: 8:22
